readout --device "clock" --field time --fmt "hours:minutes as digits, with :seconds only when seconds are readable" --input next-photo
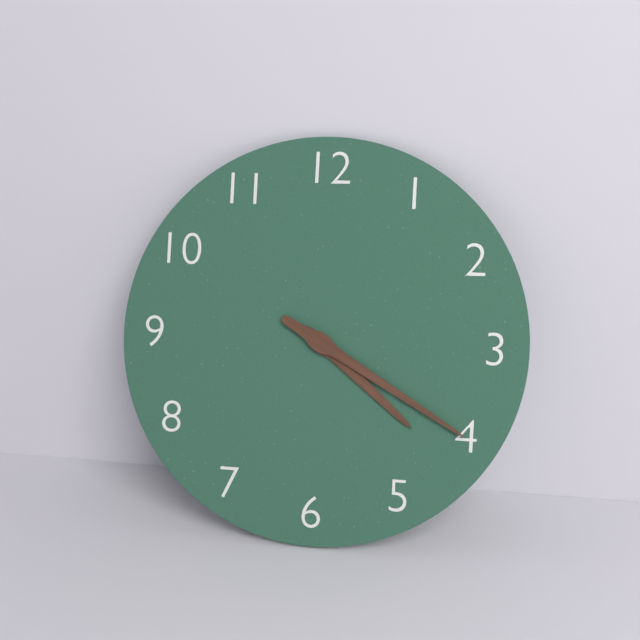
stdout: 4:20
